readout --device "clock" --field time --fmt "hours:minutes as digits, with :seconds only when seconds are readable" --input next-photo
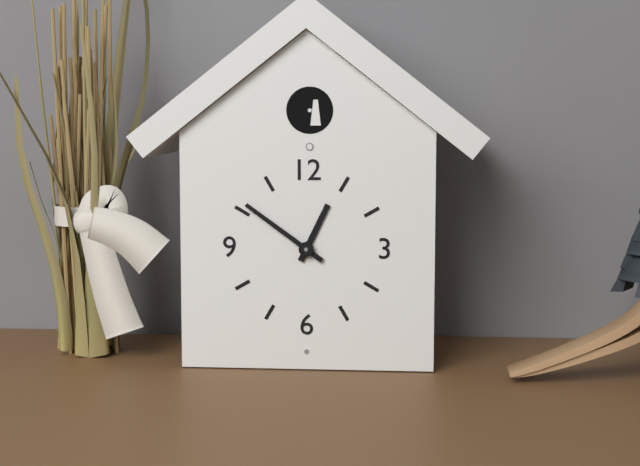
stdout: 12:51
